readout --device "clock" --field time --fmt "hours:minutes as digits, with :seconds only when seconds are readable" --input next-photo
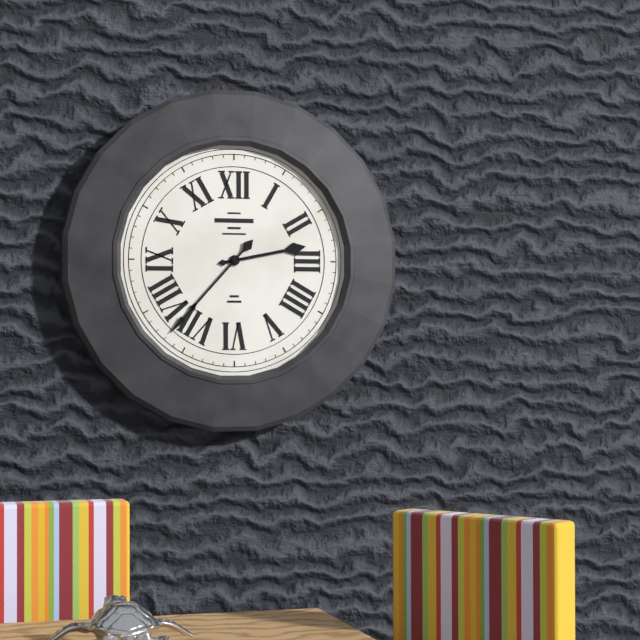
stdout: 2:37
